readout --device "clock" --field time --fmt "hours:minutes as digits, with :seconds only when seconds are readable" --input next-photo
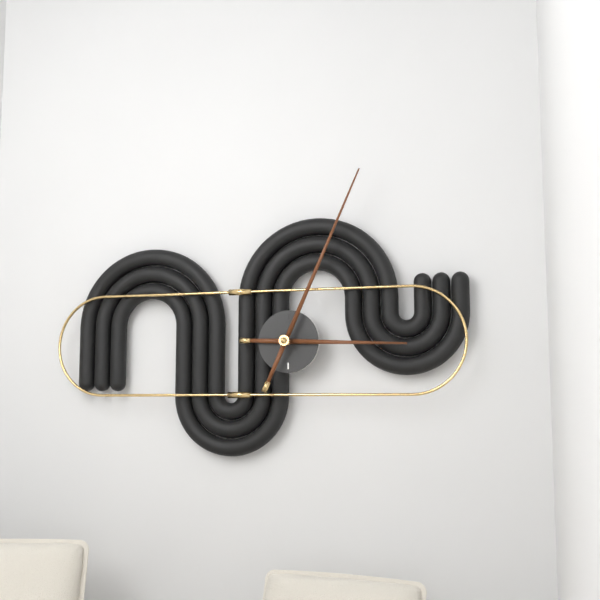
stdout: 3:04
